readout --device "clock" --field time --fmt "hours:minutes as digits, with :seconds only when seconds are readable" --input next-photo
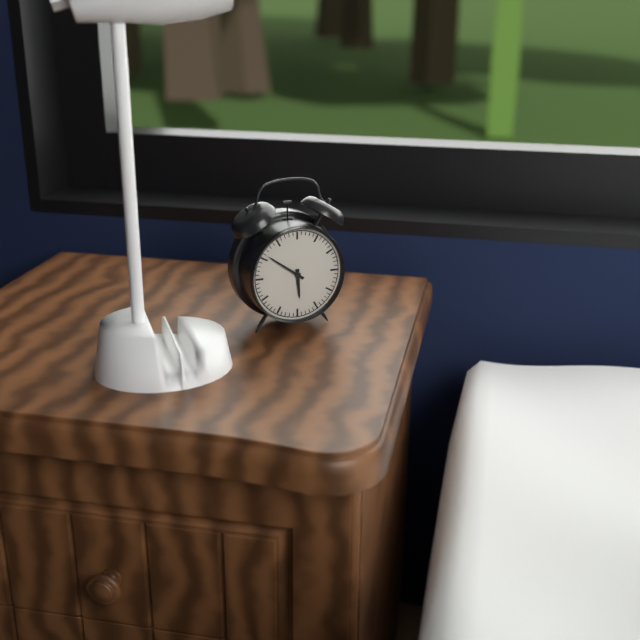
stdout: 5:51
